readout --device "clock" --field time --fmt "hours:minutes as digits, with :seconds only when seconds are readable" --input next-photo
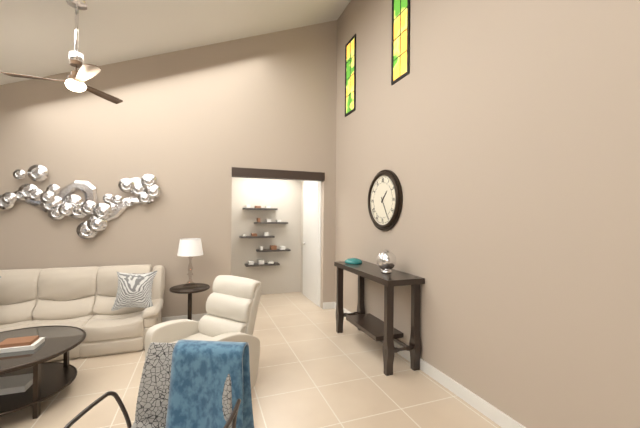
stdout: 1:25
